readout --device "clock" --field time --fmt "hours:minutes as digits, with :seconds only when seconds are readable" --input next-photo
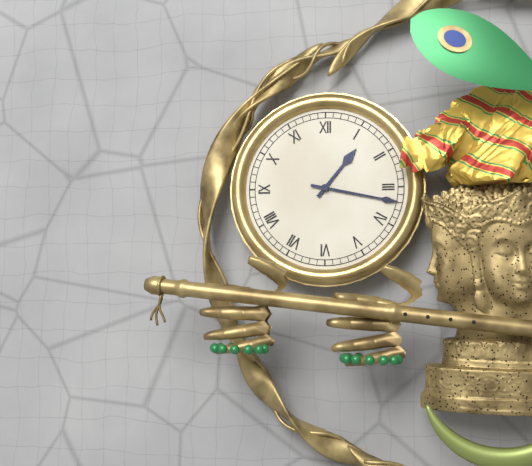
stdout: 1:17
